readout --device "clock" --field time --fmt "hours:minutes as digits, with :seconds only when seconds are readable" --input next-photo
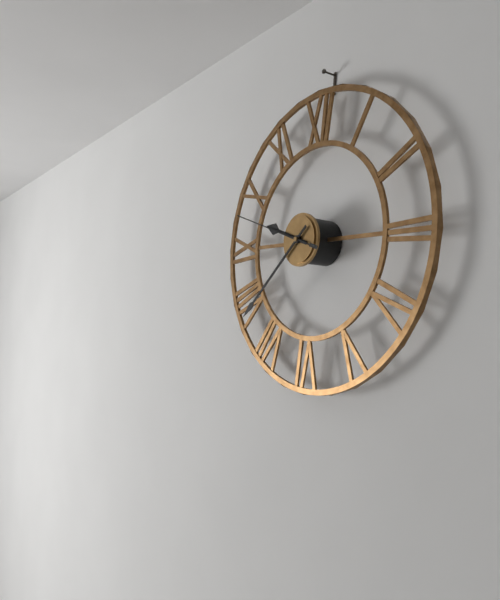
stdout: 9:38:48
